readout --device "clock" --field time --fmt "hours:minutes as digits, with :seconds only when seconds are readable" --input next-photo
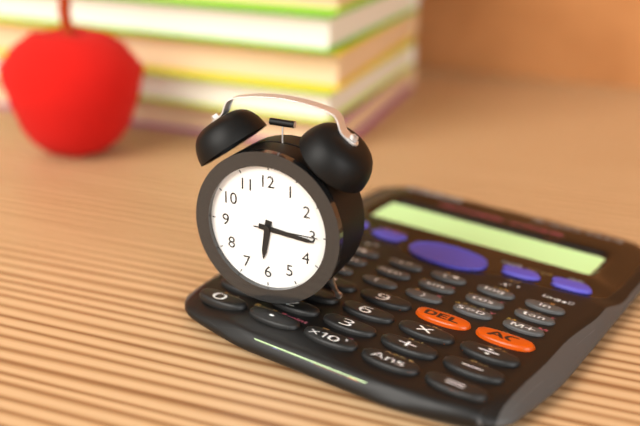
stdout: 6:16:15
